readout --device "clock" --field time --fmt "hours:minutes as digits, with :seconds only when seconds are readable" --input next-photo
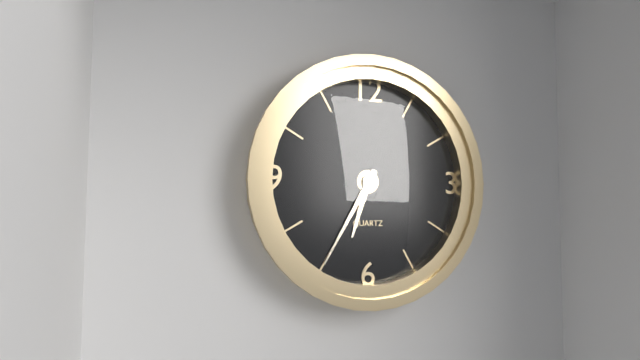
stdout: 6:35
